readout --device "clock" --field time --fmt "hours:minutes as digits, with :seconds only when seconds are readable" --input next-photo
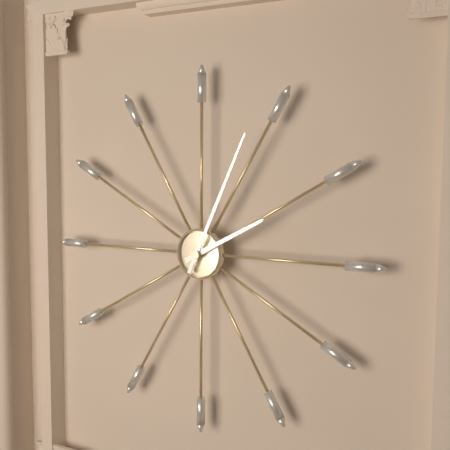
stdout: 2:04
